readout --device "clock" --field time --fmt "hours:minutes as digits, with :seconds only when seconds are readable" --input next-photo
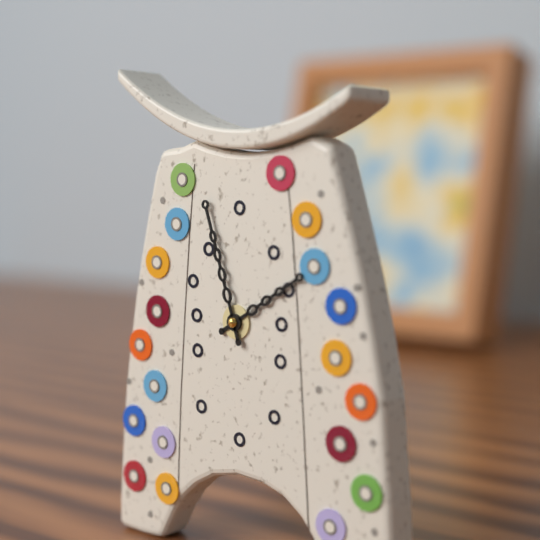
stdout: 1:57
